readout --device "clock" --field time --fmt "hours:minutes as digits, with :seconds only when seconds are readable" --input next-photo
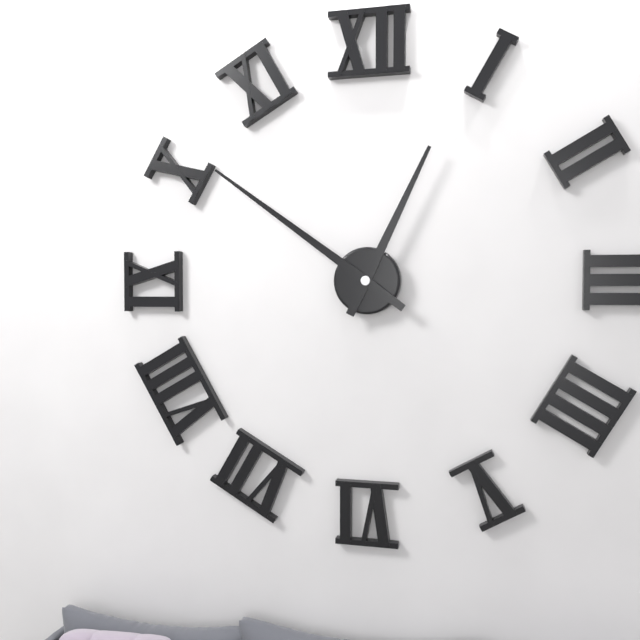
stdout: 12:51
